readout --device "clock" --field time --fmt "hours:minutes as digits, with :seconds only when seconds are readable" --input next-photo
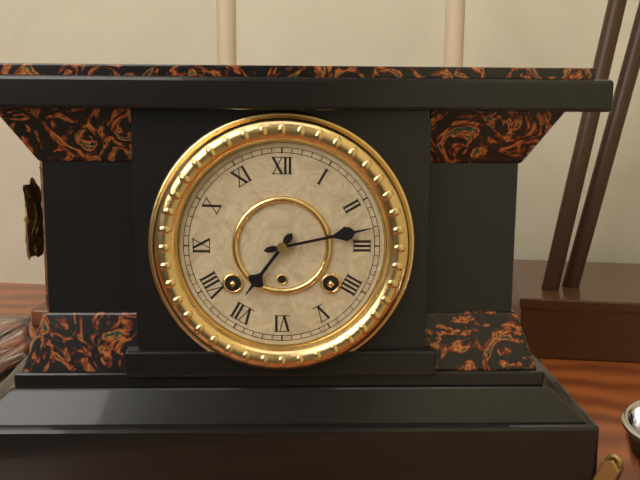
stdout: 7:13
